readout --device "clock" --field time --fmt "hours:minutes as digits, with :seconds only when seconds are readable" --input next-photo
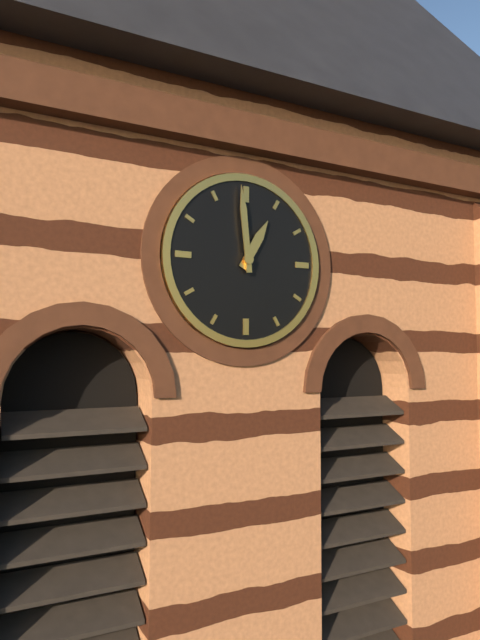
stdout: 12:59
